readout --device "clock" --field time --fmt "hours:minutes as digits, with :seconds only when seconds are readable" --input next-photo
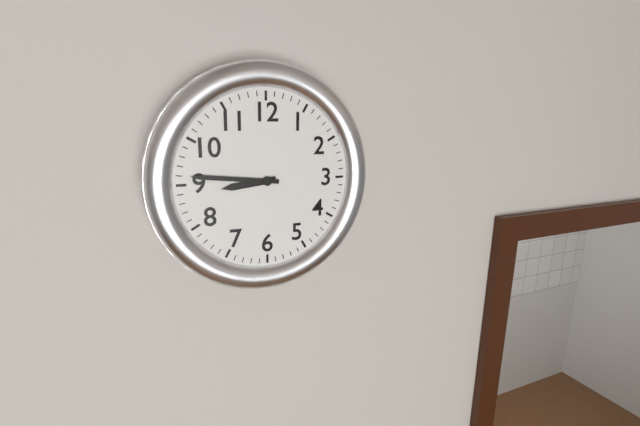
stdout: 8:46
